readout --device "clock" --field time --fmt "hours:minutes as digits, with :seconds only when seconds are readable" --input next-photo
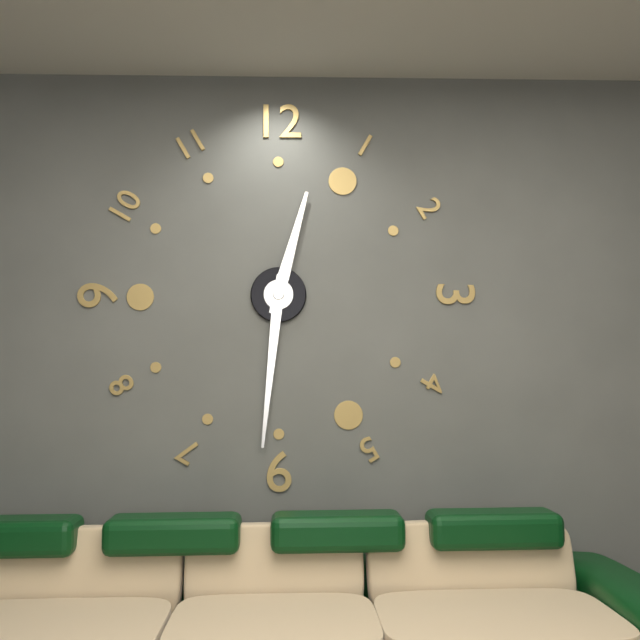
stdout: 12:31
